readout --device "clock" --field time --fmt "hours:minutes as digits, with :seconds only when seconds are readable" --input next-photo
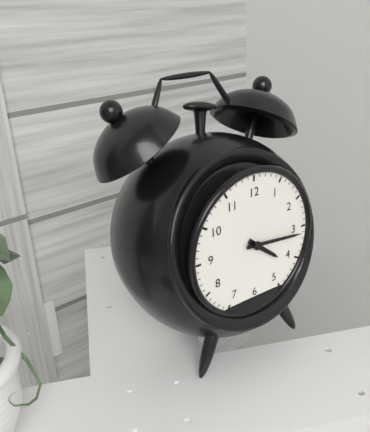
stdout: 4:16
